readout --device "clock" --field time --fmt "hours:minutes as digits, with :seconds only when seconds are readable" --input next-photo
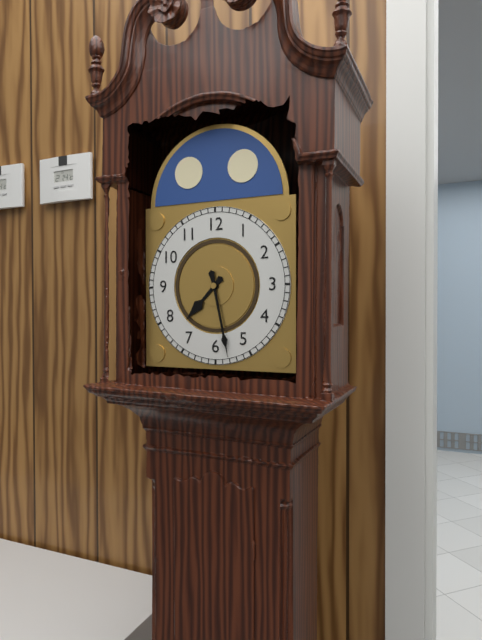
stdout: 7:28
